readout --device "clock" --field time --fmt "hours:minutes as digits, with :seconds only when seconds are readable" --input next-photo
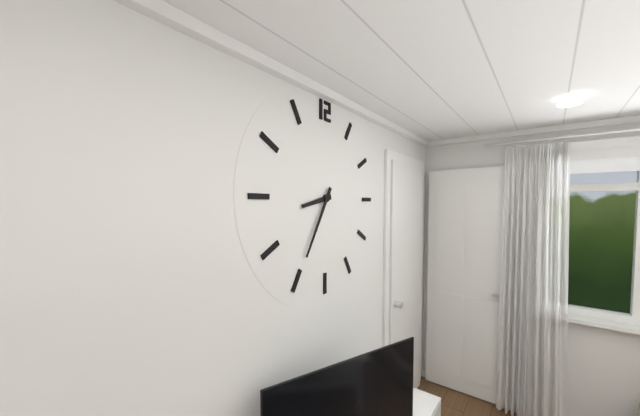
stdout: 8:35
